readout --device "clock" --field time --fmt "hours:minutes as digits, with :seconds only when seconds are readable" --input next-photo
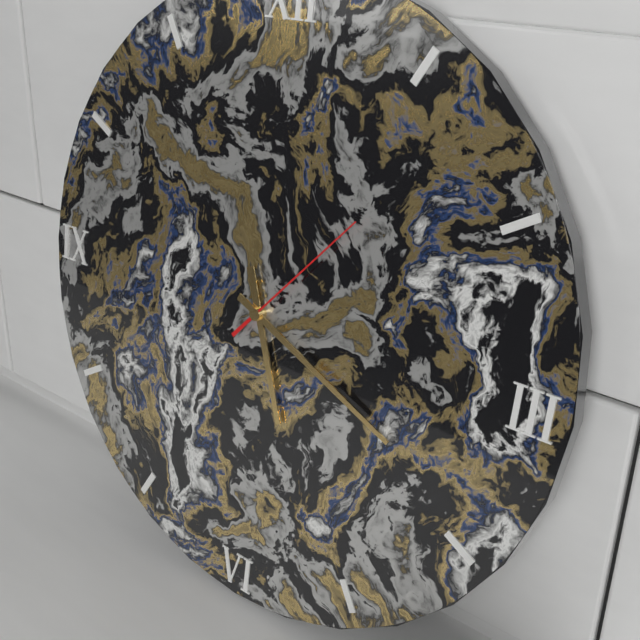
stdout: 5:19:07
